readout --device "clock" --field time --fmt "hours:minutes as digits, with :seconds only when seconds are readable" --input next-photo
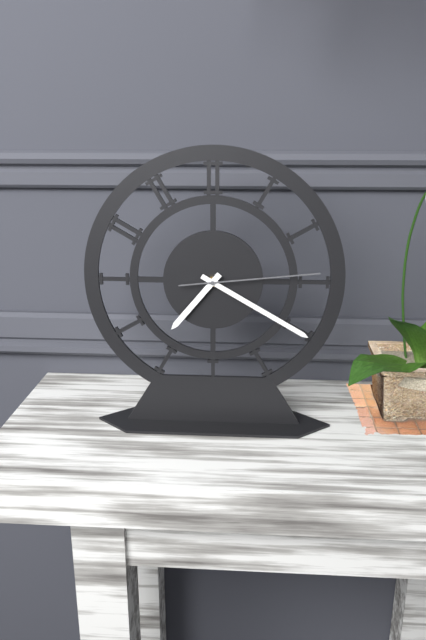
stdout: 7:20:14
